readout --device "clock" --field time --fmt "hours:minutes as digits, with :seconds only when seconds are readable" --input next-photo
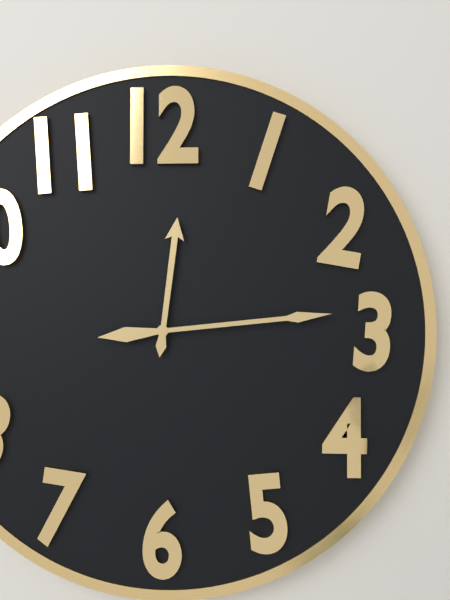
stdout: 12:14
